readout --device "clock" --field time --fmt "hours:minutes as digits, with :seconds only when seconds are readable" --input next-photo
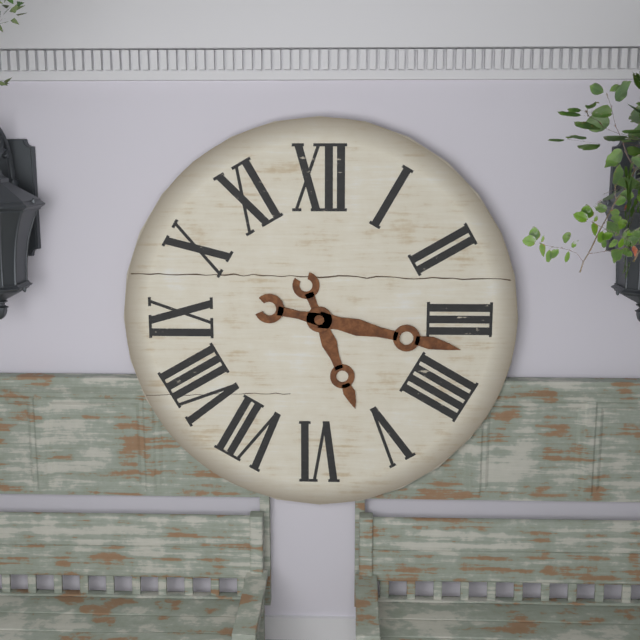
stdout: 5:17
